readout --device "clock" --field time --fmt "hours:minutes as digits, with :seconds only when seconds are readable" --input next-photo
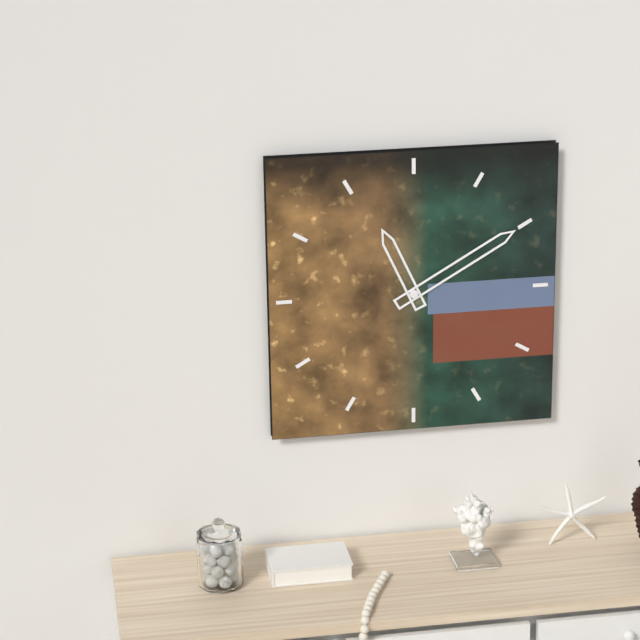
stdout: 11:10
